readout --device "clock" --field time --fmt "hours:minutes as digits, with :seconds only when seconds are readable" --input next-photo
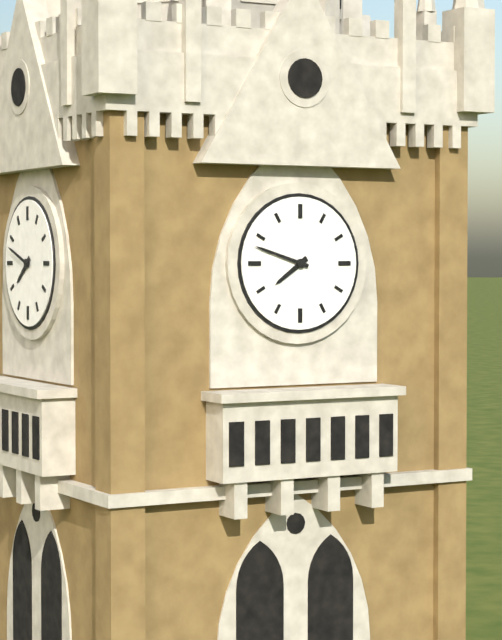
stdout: 7:48
